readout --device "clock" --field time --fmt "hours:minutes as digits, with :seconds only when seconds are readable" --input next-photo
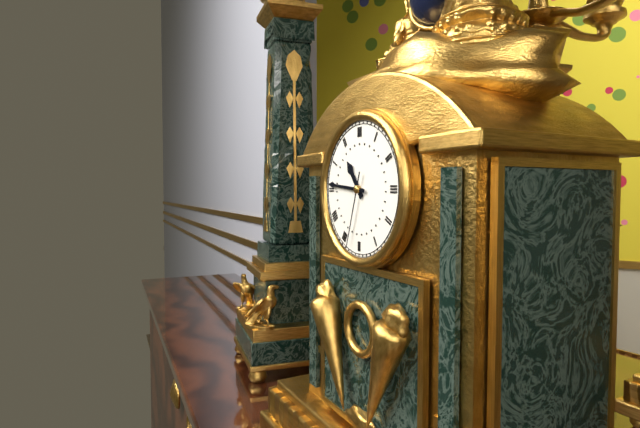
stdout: 10:46:33
